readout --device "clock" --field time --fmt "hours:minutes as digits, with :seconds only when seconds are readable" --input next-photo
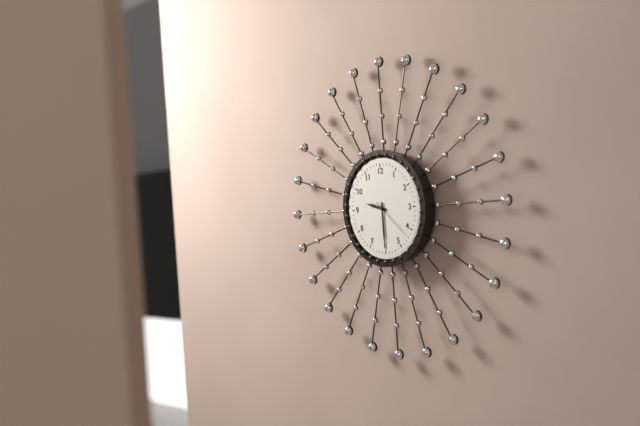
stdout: 9:30
